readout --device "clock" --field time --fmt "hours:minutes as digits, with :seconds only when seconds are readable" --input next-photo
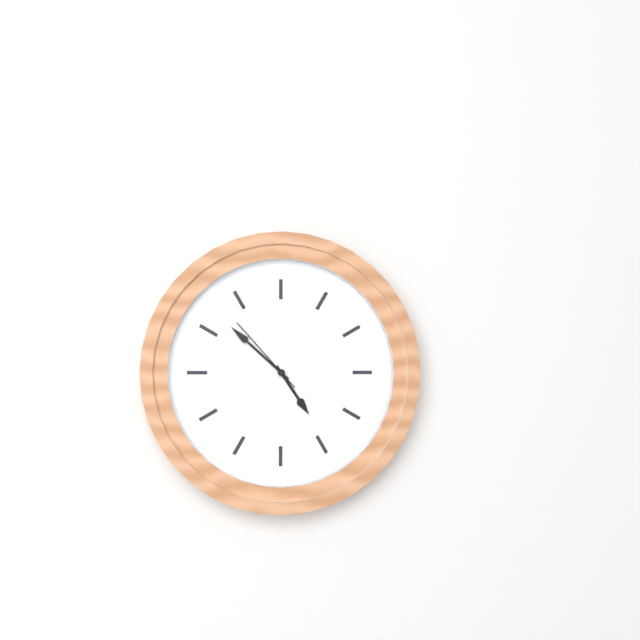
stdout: 4:52:53
